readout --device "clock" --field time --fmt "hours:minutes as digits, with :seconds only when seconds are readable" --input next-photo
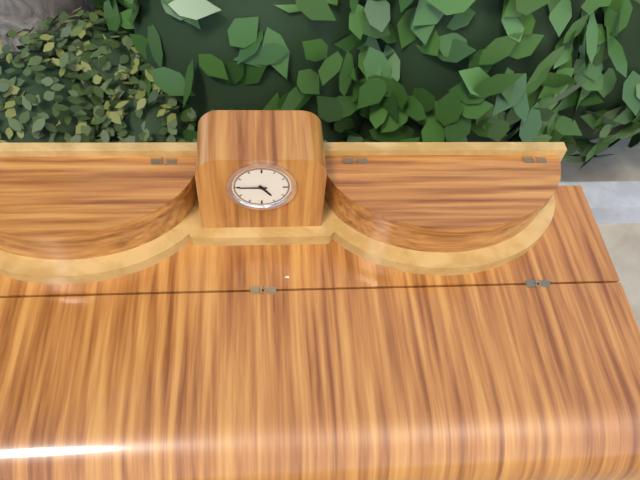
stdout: 4:45
